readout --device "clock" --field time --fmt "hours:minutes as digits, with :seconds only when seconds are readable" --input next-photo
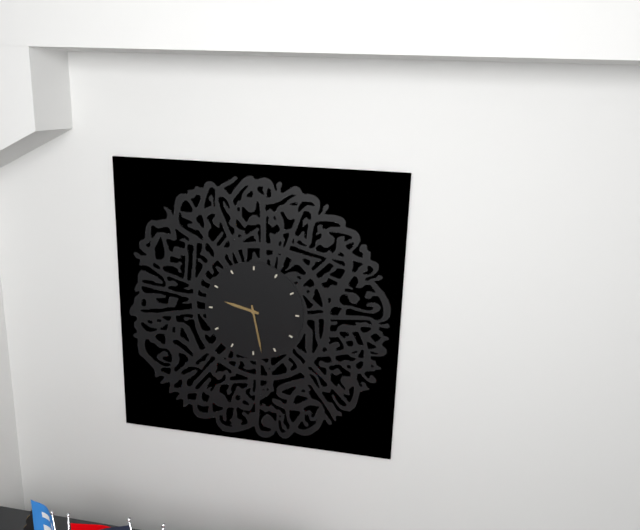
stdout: 9:28
